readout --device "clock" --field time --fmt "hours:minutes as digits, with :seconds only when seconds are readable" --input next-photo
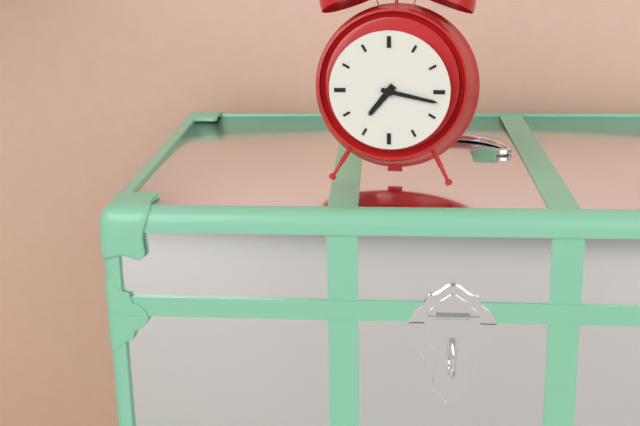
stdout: 7:17
